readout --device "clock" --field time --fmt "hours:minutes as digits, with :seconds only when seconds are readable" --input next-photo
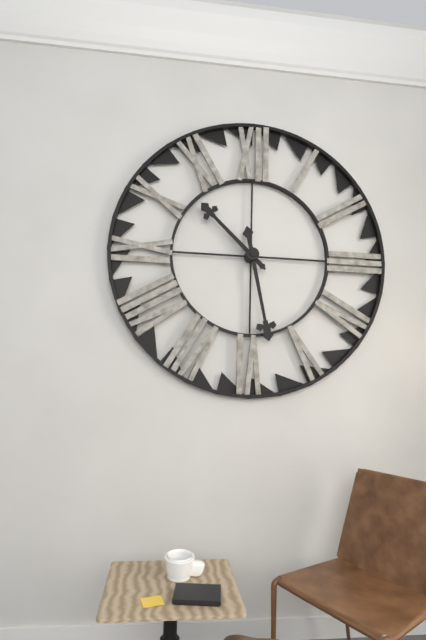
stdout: 10:28
